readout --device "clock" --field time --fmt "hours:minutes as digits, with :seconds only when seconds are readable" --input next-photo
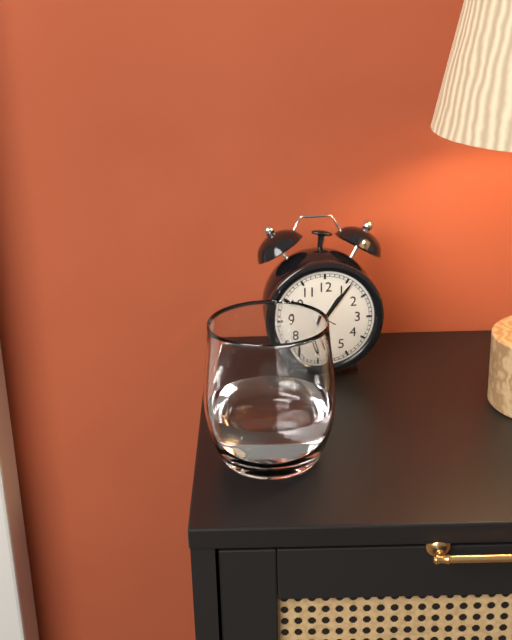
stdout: 1:06:50
